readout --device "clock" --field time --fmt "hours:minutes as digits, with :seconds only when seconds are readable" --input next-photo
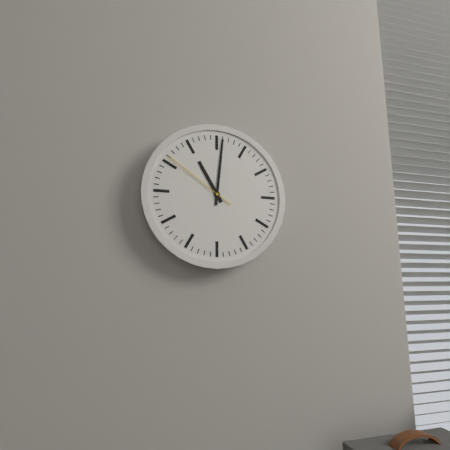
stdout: 11:01:51
